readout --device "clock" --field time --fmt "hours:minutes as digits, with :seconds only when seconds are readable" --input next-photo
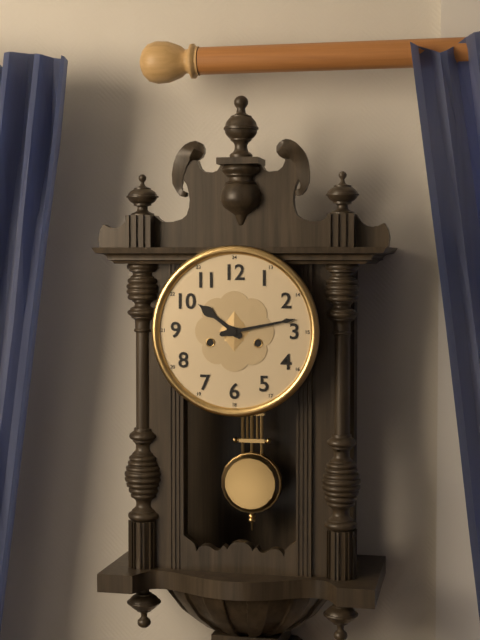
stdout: 10:13
